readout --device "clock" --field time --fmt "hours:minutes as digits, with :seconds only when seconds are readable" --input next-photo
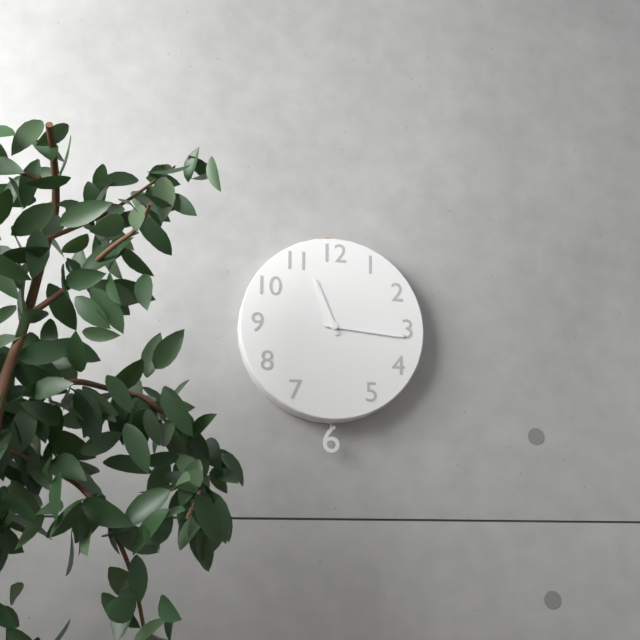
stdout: 11:16
